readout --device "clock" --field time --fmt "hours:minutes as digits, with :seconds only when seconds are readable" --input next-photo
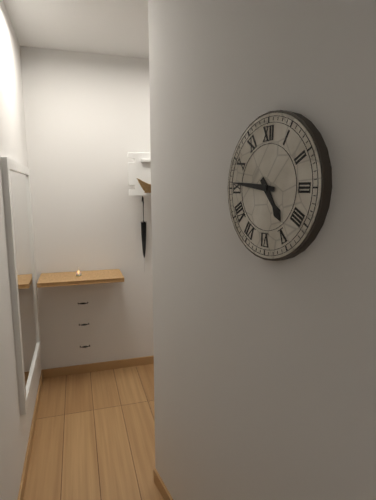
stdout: 4:46
